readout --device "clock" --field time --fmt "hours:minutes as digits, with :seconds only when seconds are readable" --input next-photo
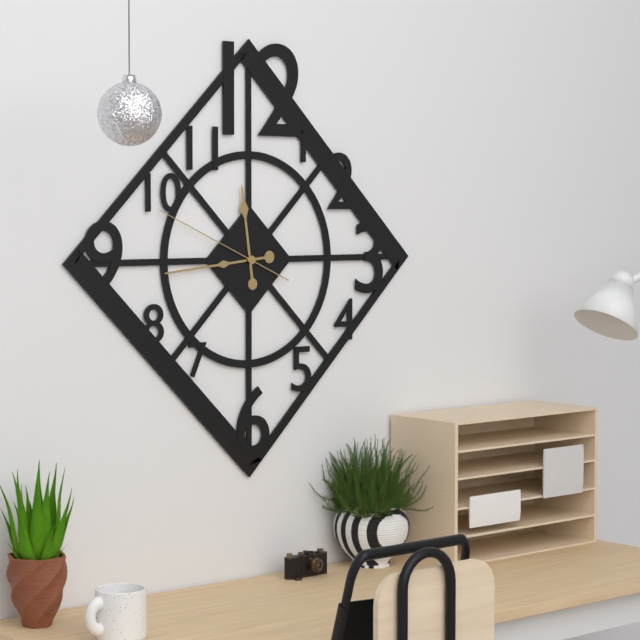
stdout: 11:44:49
